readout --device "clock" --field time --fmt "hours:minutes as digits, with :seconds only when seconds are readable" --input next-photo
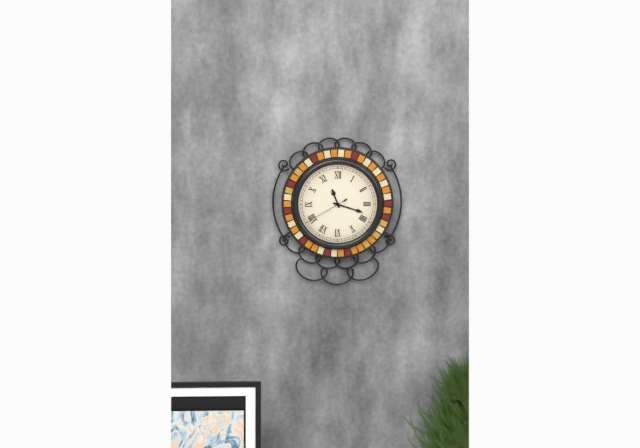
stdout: 11:18
